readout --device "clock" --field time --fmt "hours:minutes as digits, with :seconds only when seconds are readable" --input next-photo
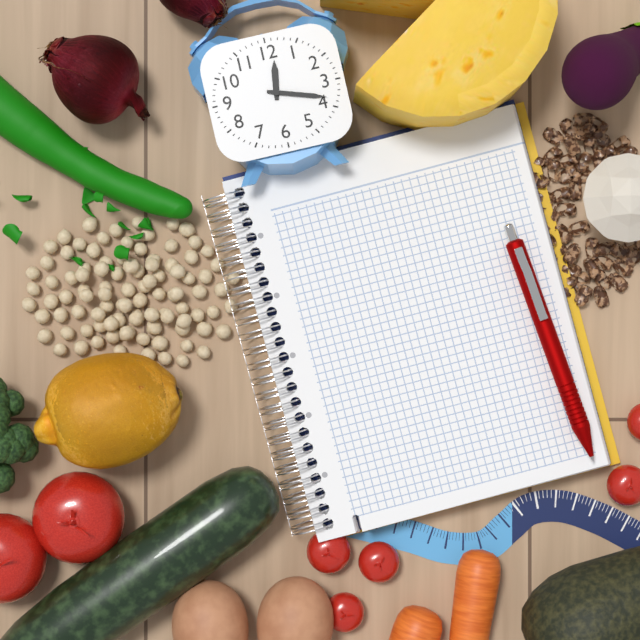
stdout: 12:18
